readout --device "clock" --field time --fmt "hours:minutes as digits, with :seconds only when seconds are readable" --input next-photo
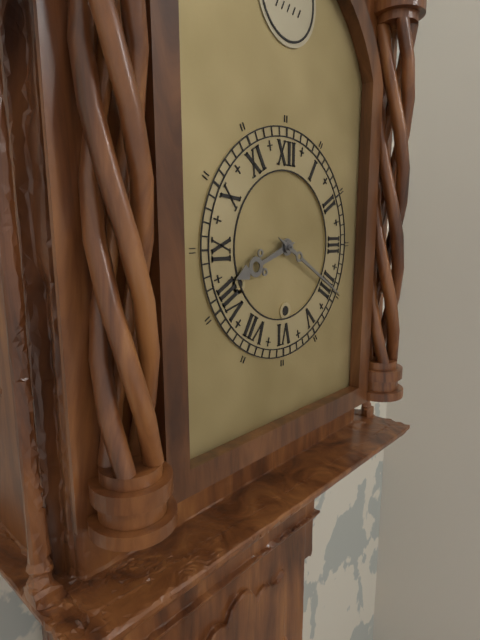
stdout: 8:20
